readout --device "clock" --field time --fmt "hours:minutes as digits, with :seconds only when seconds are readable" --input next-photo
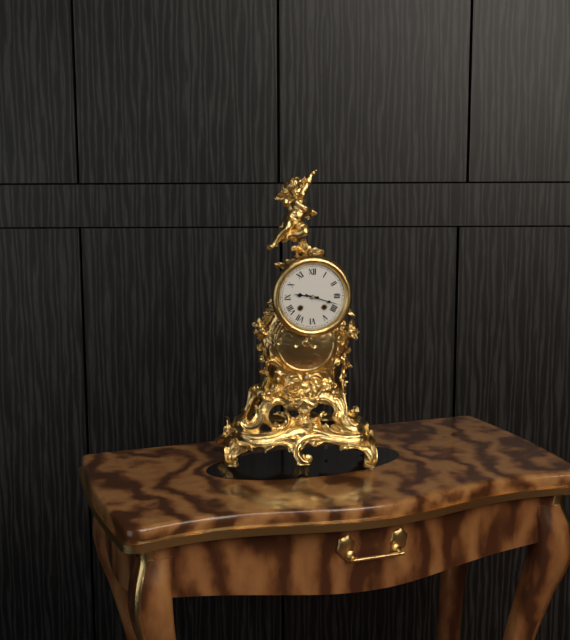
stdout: 9:18
